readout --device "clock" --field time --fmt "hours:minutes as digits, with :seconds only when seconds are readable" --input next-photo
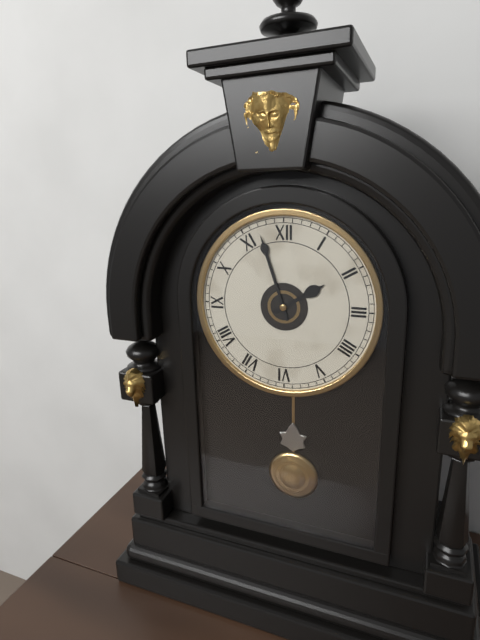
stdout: 1:57
